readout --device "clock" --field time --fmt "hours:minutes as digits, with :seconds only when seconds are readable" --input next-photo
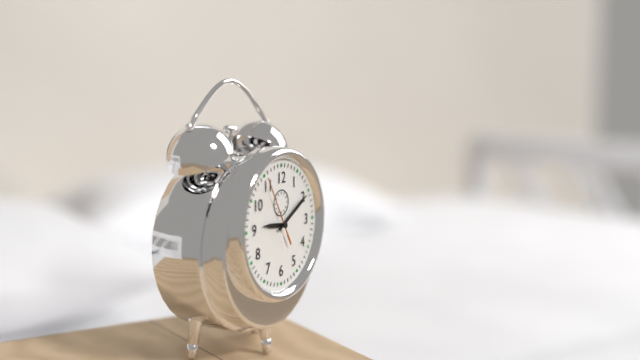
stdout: 9:10:55
